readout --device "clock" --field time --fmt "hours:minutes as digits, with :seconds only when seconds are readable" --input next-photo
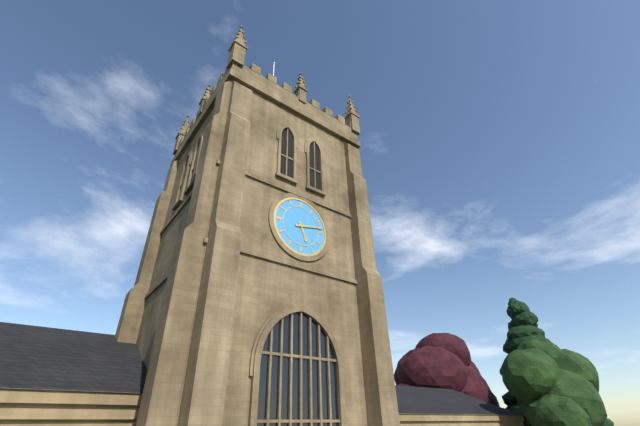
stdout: 5:13
